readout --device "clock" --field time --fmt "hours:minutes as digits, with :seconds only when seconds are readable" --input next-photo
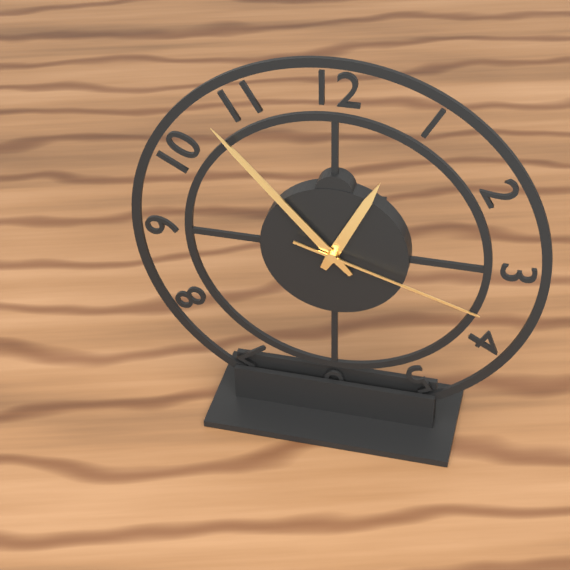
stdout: 12:53:18
